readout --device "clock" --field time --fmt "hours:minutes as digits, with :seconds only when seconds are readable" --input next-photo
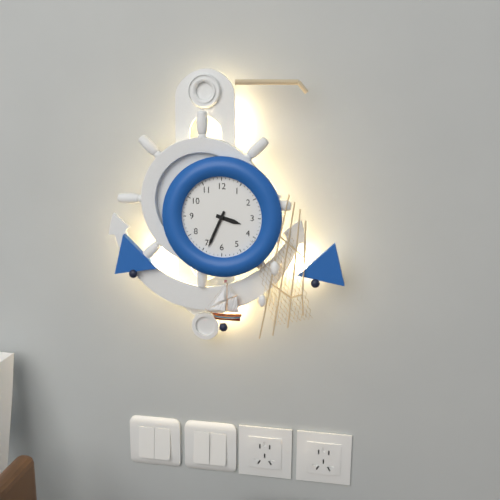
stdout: 3:34
